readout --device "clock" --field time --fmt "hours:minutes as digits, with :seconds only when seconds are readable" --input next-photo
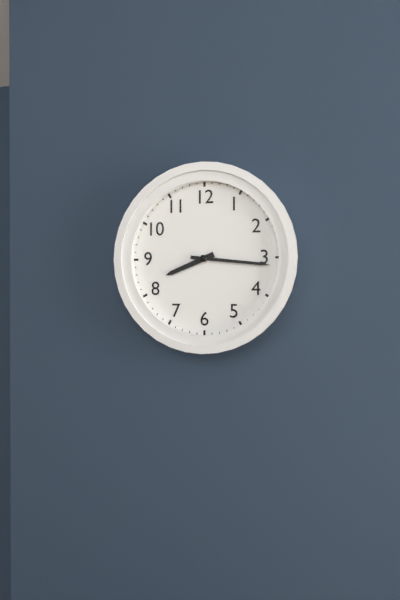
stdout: 8:16
